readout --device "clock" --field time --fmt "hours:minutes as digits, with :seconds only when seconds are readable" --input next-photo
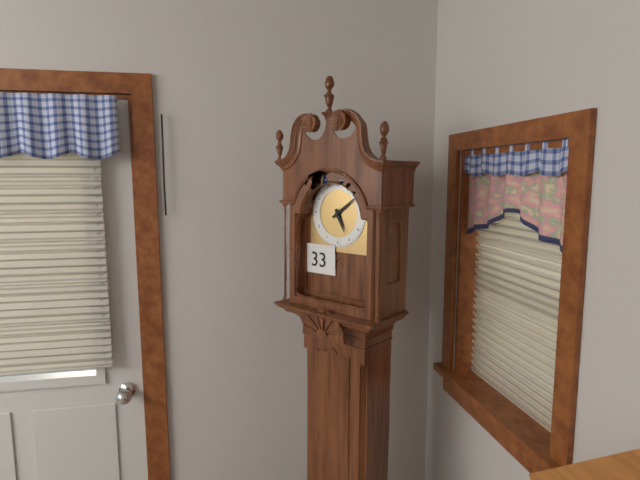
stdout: 5:09
